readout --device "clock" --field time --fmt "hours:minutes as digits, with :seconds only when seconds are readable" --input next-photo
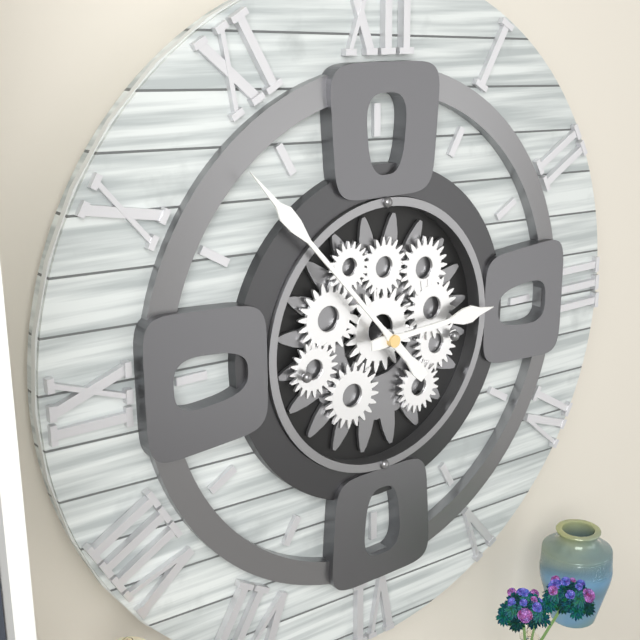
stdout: 2:53
